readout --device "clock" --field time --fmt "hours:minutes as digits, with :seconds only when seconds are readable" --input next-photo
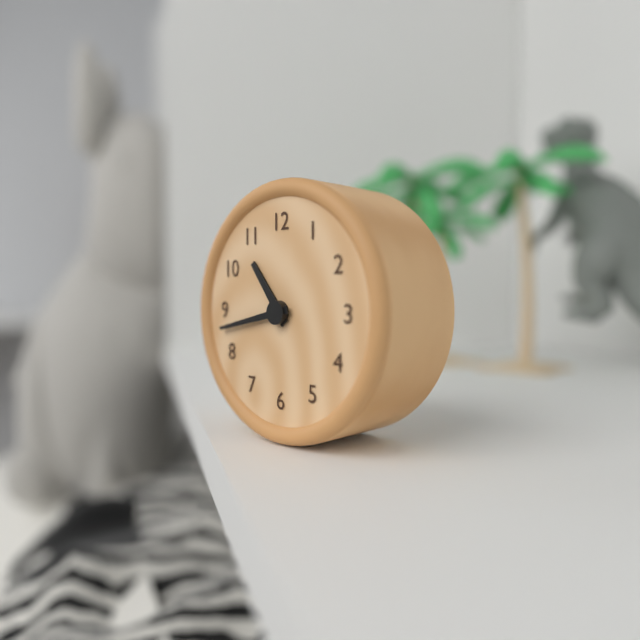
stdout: 10:43
